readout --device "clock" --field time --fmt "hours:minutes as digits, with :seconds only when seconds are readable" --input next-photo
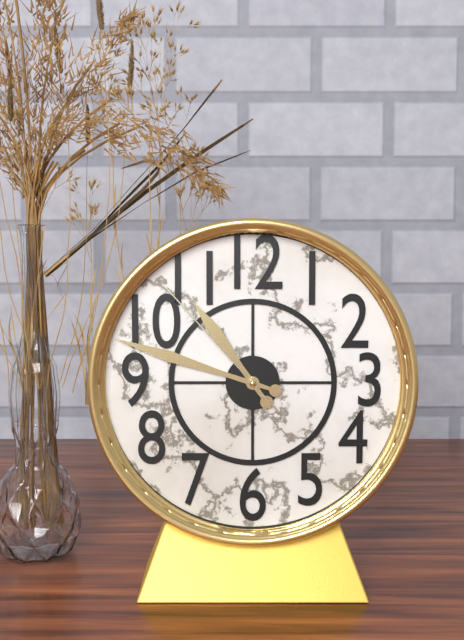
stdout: 10:48:53
